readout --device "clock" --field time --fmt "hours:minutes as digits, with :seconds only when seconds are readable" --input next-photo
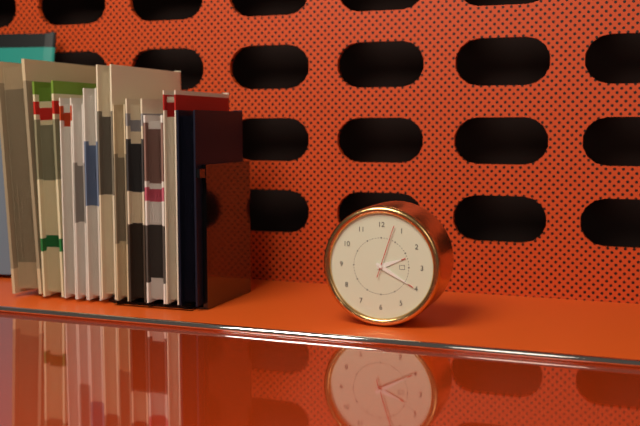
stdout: 2:20:03
